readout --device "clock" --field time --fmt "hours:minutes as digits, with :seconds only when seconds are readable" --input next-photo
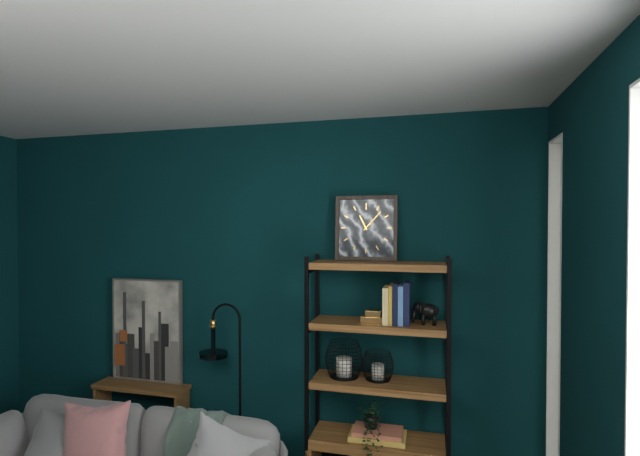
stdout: 11:07
